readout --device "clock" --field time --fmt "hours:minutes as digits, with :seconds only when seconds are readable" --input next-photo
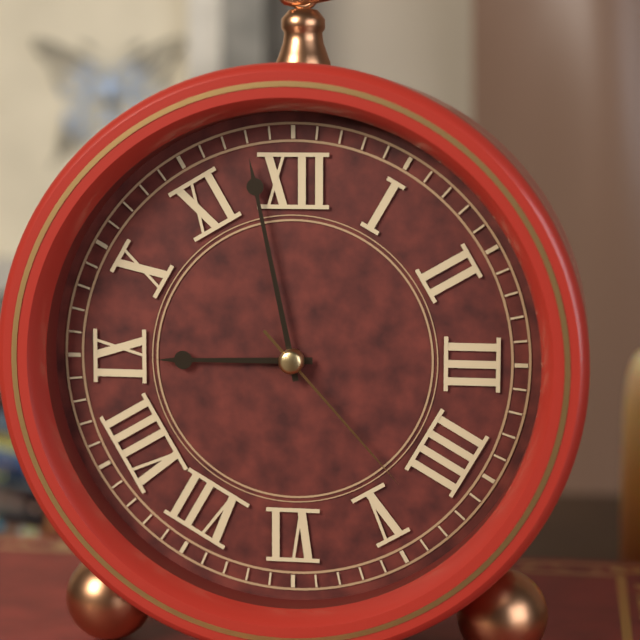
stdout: 8:58:23
